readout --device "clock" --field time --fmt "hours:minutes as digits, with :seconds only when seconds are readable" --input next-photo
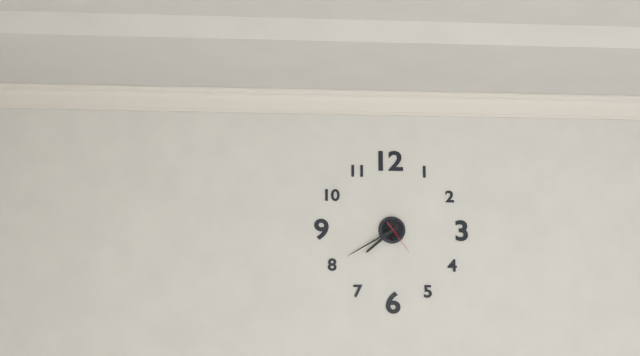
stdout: 7:40
